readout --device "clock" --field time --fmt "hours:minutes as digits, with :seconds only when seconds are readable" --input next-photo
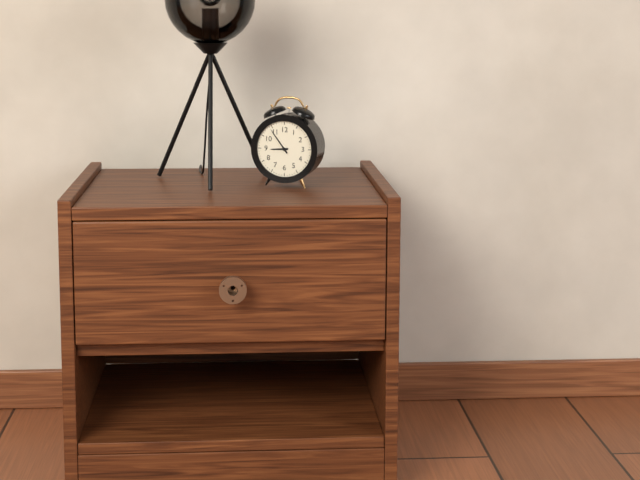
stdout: 8:54
